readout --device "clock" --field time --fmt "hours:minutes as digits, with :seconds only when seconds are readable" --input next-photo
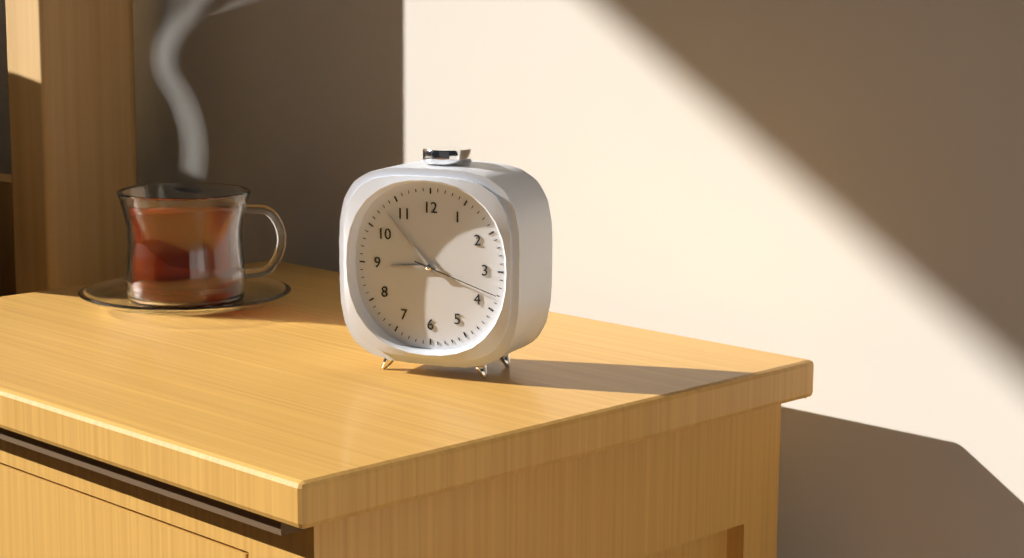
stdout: 8:53:18
